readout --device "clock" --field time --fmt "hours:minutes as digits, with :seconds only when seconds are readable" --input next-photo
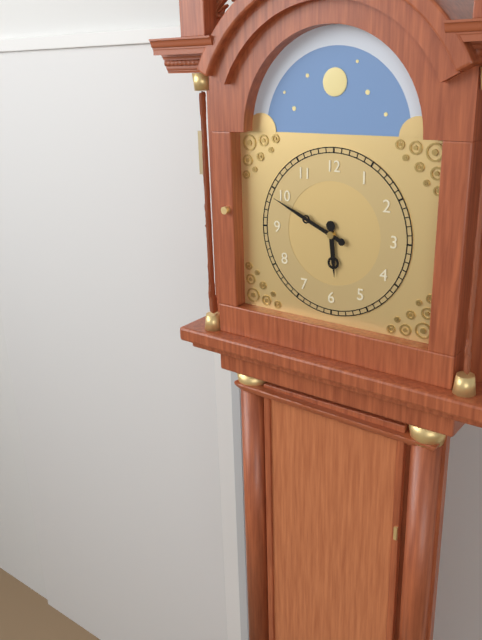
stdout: 5:49
